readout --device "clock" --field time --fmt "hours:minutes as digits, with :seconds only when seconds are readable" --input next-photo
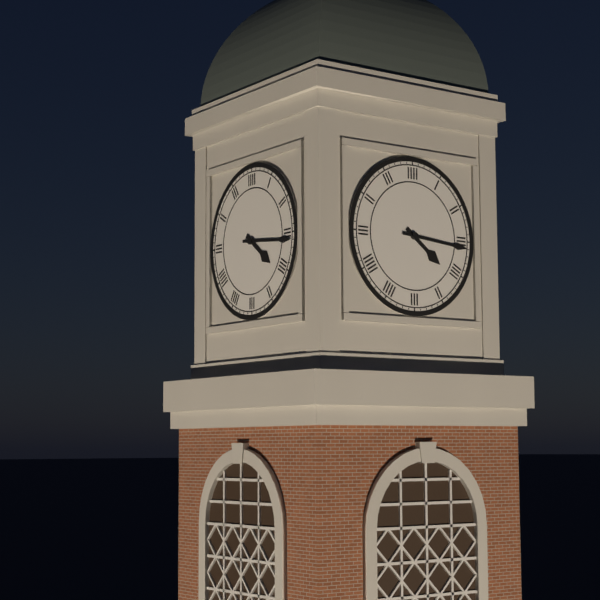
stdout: 4:16
